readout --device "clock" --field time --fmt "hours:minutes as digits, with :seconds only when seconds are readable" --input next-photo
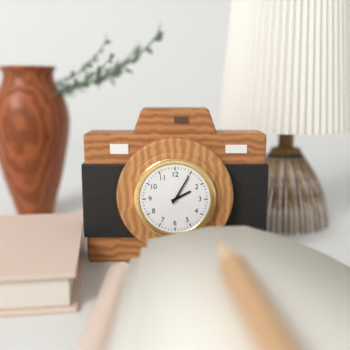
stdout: 2:05
